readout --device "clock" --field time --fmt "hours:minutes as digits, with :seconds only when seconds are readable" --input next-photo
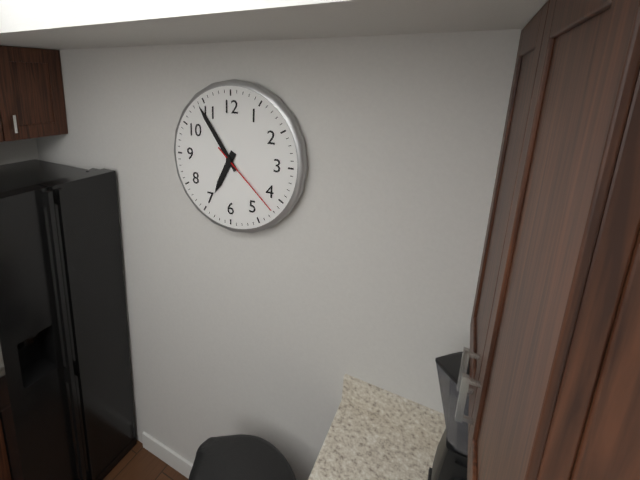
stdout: 6:54:22
